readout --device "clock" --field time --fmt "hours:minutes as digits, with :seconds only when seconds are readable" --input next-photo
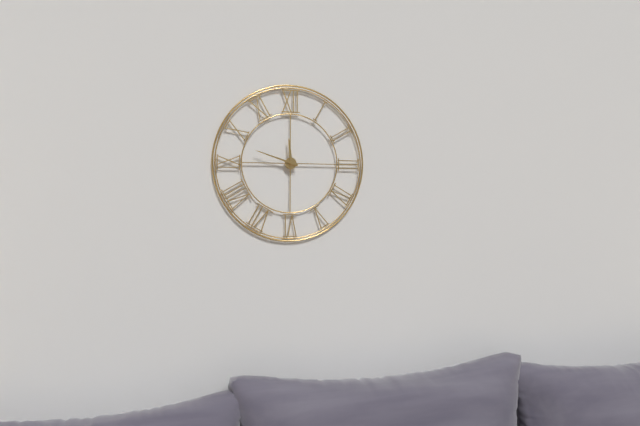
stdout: 11:48
